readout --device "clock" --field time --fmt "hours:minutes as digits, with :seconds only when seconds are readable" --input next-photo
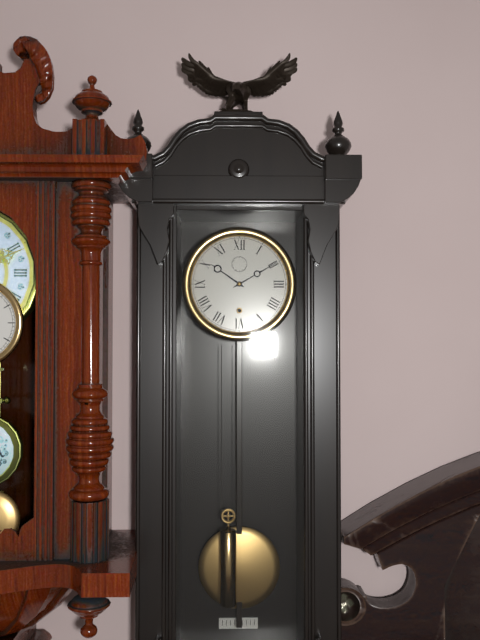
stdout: 10:10
